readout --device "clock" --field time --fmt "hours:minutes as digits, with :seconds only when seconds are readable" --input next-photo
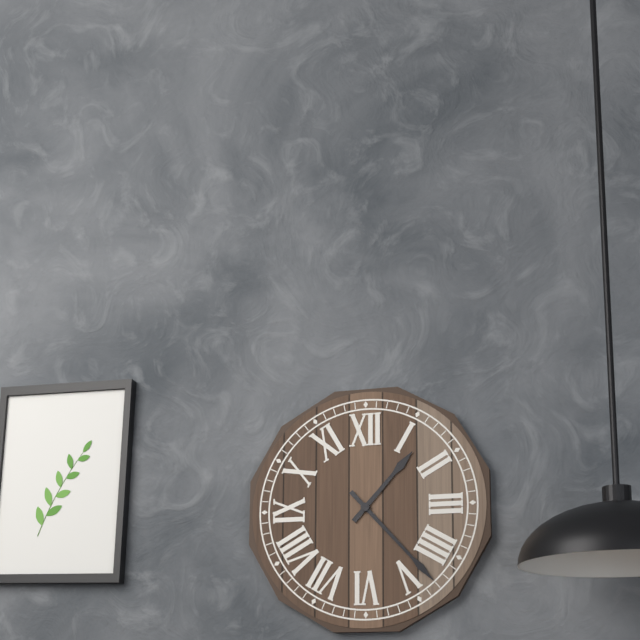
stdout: 1:23
